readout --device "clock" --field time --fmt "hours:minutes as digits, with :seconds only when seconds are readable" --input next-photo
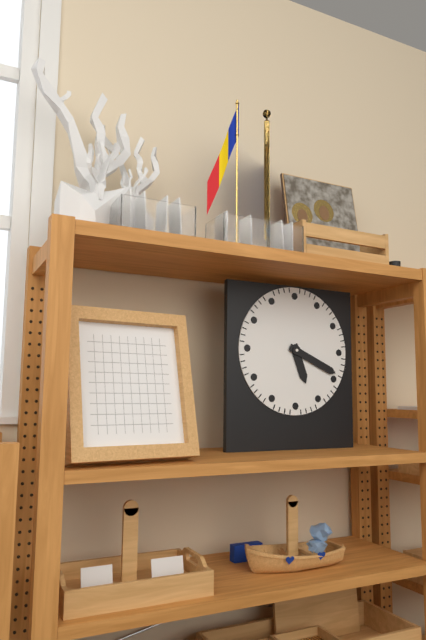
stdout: 5:19
